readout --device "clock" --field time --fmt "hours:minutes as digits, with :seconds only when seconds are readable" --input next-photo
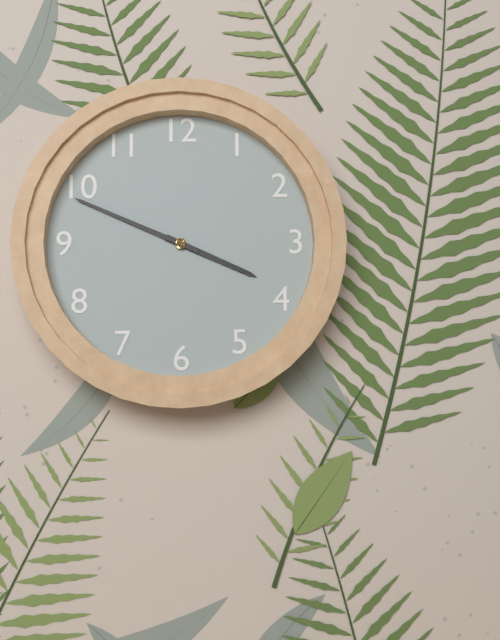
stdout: 3:49
